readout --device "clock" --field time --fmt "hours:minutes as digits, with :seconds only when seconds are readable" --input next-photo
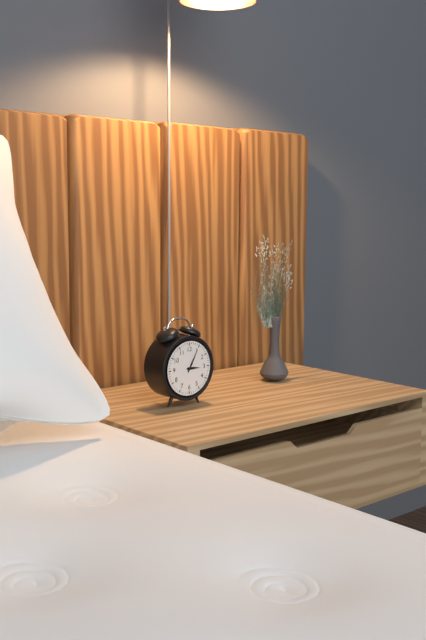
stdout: 3:05
